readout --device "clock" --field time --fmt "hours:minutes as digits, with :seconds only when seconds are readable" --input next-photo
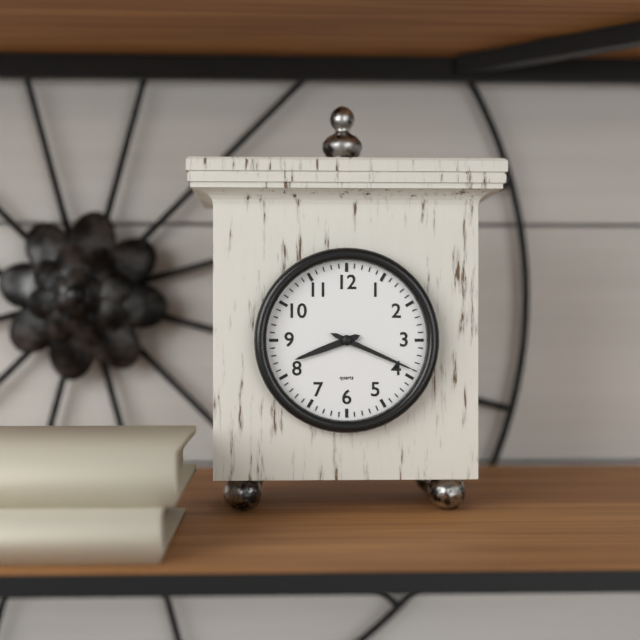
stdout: 8:19
